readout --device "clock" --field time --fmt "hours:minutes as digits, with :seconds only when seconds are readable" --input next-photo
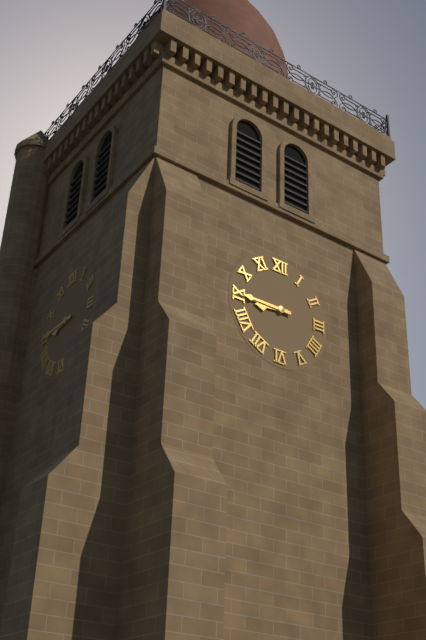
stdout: 8:45
